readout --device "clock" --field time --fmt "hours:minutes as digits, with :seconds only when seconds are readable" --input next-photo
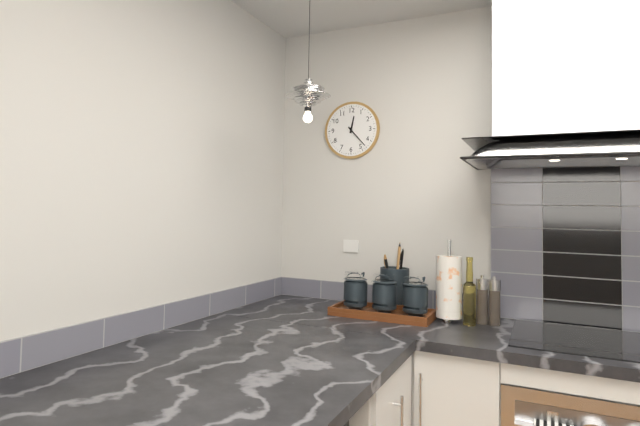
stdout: 12:23
